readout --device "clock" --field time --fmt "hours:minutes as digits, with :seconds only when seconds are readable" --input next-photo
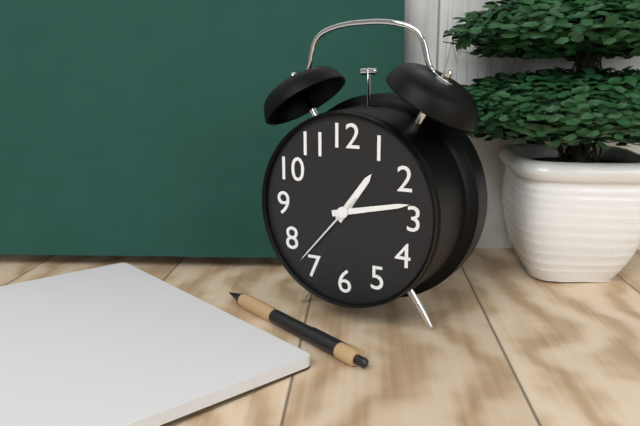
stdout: 1:13:37
